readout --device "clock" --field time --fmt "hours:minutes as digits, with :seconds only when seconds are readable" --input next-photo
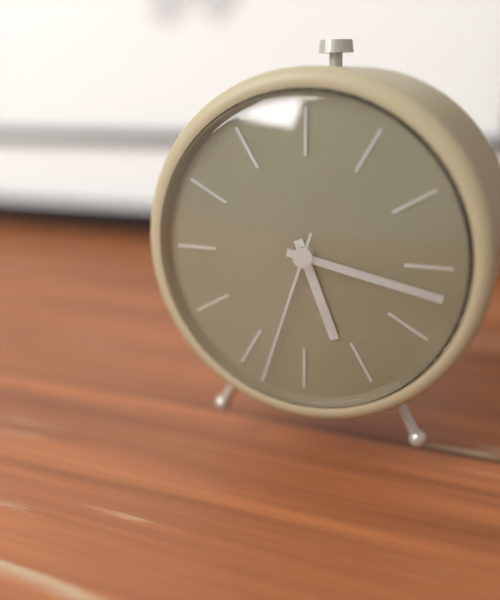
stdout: 5:17:33
